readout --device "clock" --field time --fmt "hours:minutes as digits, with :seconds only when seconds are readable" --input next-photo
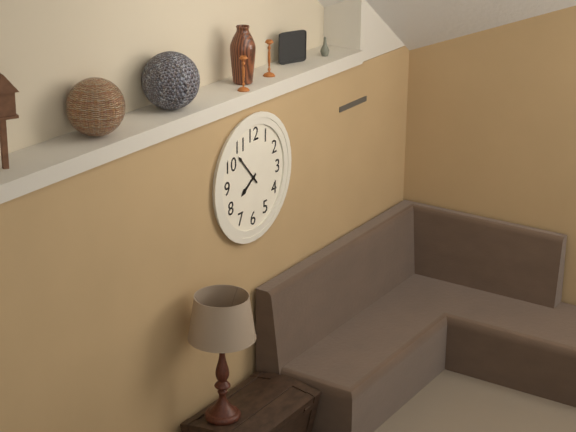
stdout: 7:53
